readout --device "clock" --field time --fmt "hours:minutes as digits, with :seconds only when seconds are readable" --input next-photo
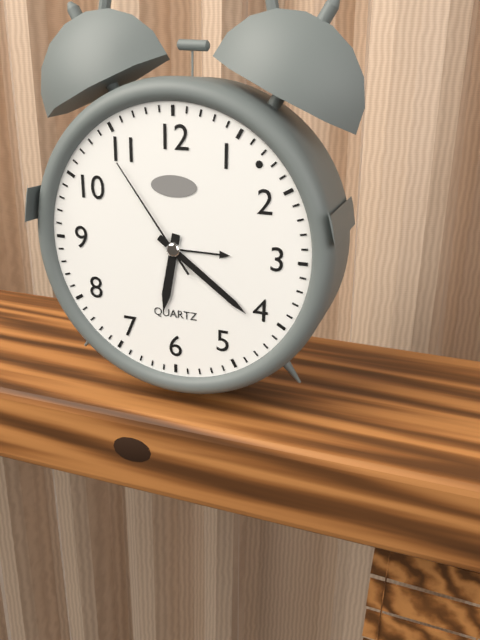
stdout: 6:21:54
